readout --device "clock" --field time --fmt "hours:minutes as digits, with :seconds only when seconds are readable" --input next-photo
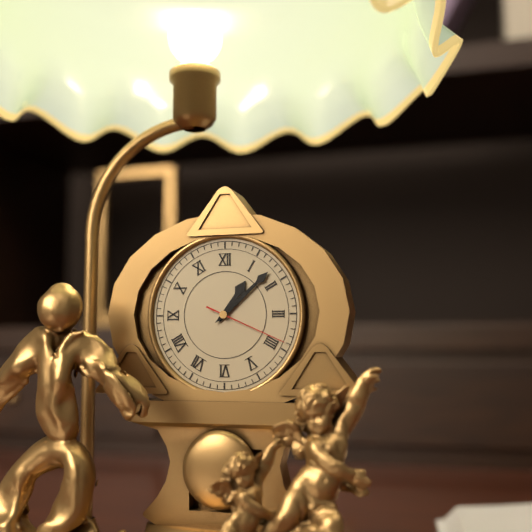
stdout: 1:08:19
